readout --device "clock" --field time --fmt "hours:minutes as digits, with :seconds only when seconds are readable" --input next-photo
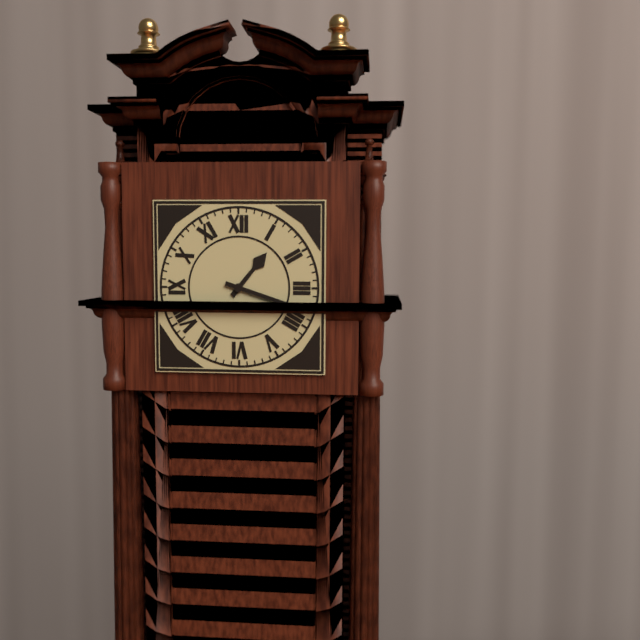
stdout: 1:18
